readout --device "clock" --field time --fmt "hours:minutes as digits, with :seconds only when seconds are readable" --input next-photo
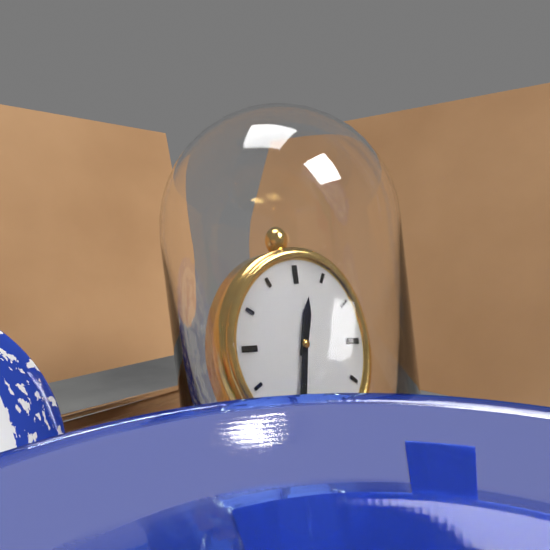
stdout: 12:32
